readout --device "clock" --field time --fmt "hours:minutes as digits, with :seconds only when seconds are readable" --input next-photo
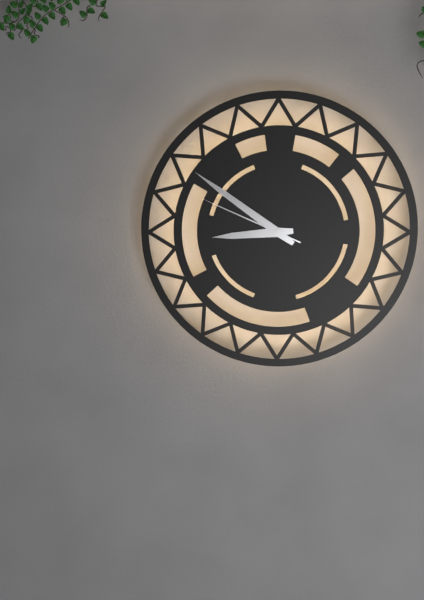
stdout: 8:51:49
